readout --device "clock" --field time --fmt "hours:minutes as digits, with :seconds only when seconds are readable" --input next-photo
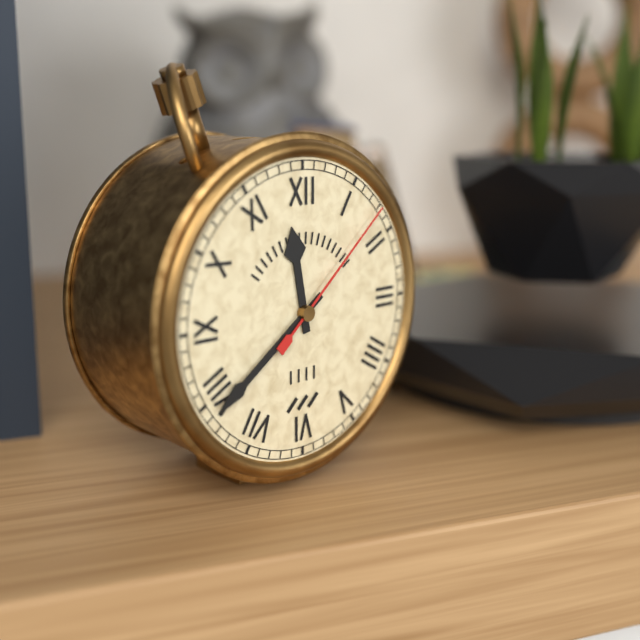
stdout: 11:39:08
